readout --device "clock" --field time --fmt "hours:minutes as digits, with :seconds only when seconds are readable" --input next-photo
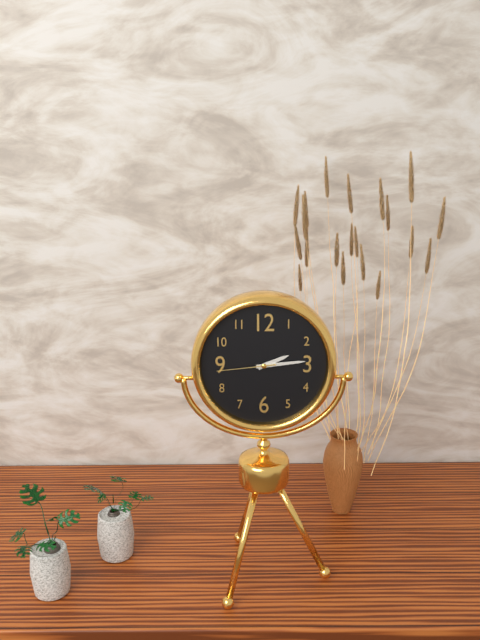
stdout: 2:14:44
